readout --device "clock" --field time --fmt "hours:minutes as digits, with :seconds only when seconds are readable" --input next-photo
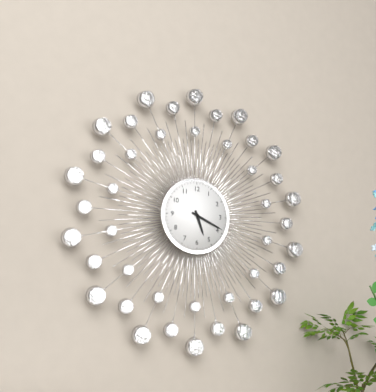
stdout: 5:19
